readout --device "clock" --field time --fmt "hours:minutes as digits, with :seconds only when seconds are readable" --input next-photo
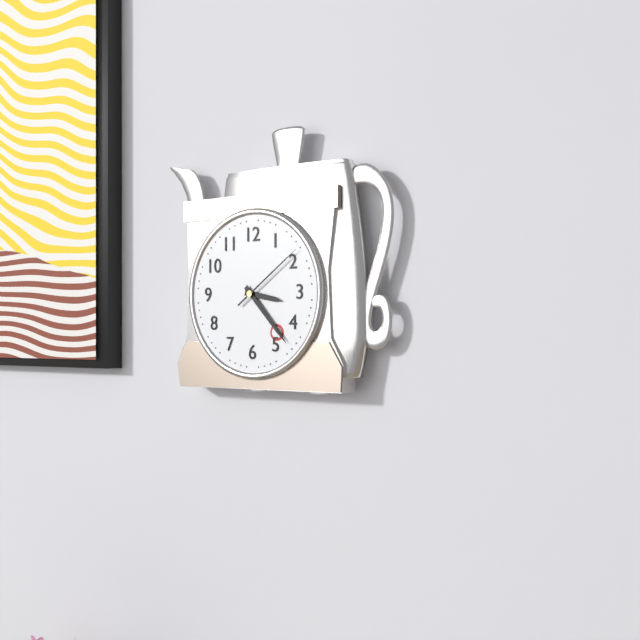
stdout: 3:23:09
